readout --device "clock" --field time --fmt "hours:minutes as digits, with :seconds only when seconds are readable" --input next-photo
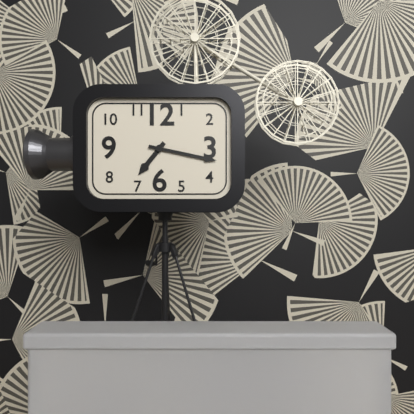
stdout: 7:17
